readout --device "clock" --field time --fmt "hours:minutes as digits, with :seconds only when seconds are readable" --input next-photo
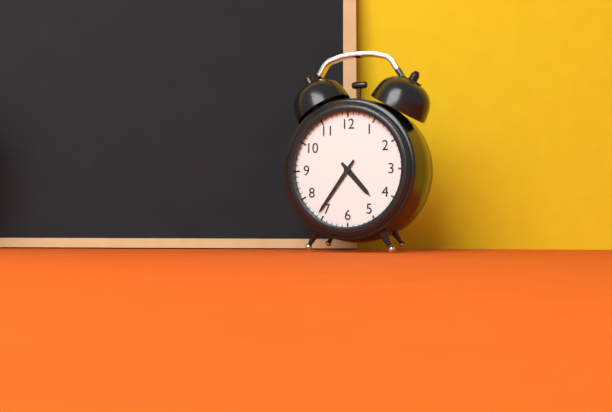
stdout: 4:36
